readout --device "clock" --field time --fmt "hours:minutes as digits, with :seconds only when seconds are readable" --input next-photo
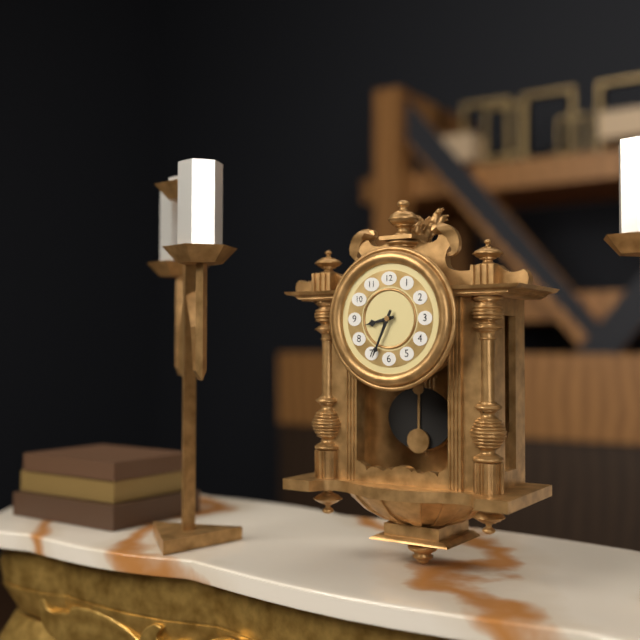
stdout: 8:34
